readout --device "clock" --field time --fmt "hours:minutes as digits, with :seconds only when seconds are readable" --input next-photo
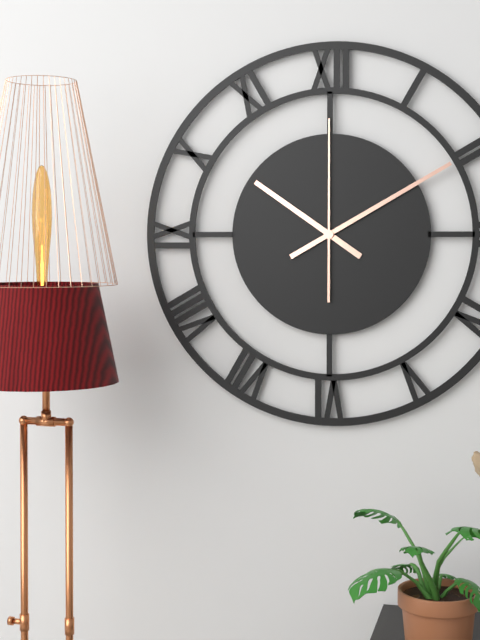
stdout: 10:10:00
